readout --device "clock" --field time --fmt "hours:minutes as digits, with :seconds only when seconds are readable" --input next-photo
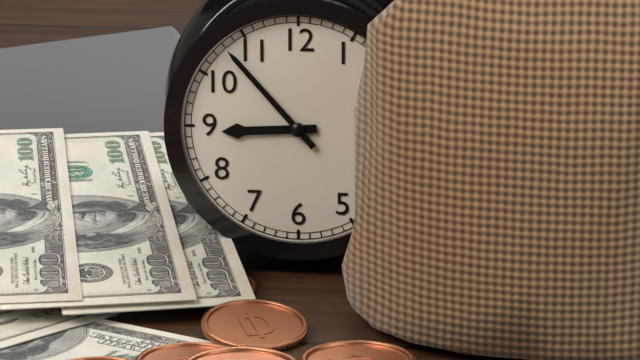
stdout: 8:53
